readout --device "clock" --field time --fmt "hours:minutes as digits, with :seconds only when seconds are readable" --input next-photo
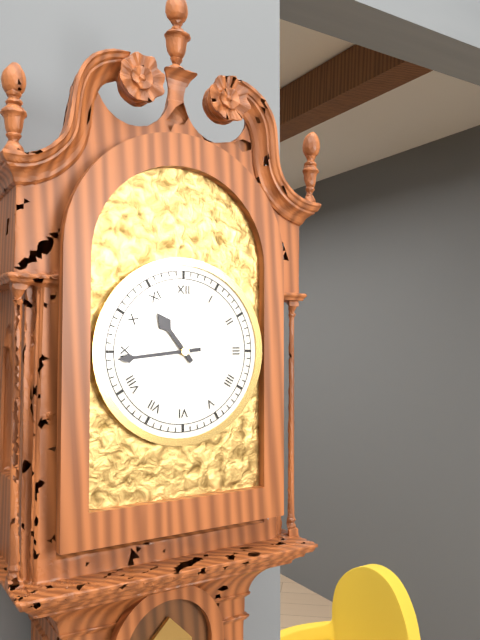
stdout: 10:44
